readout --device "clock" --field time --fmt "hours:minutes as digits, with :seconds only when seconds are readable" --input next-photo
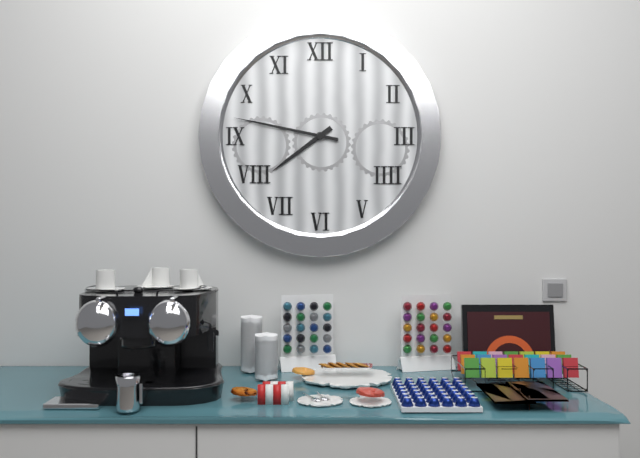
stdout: 7:47
